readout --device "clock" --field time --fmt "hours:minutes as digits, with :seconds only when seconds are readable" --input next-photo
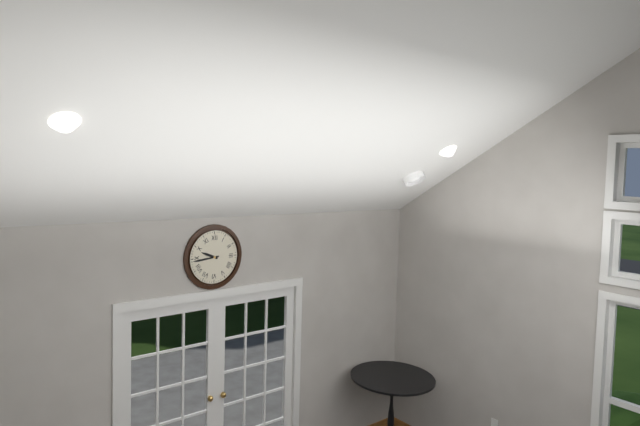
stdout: 9:44
